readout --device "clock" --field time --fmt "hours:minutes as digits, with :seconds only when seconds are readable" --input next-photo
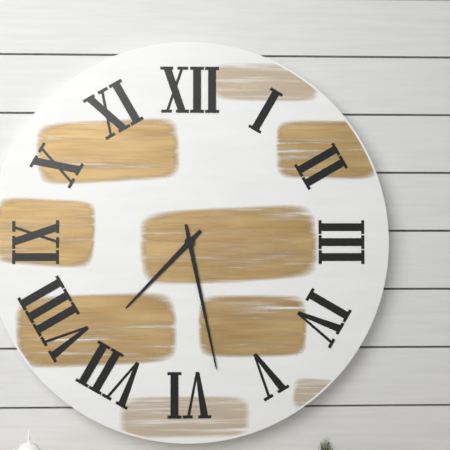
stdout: 7:28
